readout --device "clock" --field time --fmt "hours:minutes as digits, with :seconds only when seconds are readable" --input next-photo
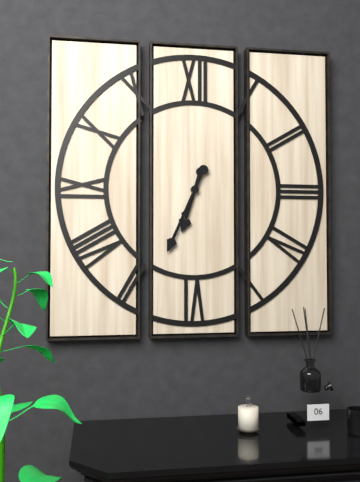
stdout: 6:34
